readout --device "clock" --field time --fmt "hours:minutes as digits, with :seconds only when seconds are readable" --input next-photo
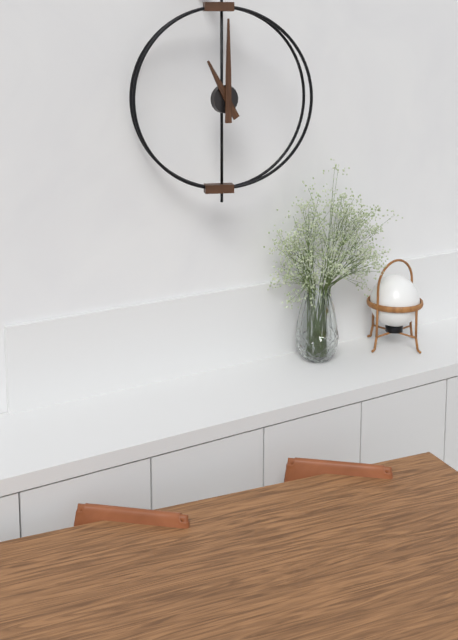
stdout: 11:00
